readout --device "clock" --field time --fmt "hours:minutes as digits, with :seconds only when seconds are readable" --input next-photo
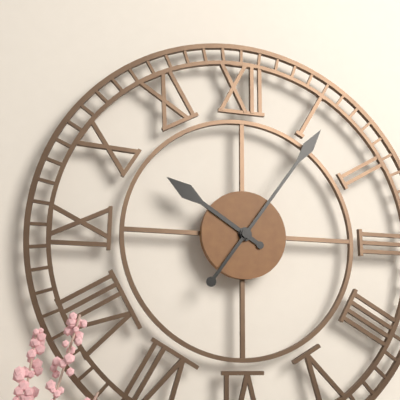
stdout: 10:06
